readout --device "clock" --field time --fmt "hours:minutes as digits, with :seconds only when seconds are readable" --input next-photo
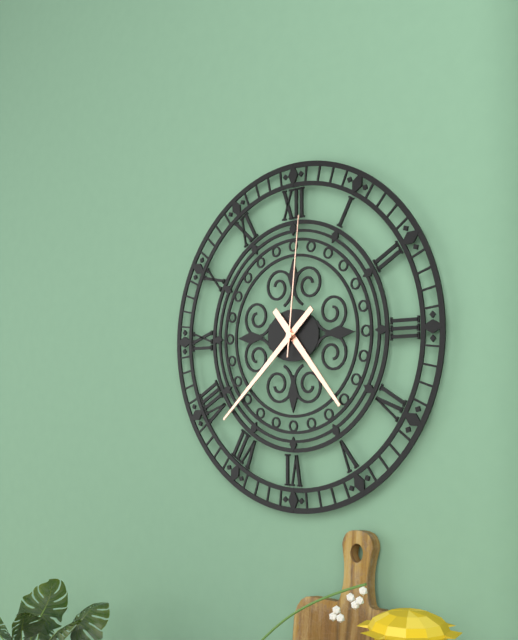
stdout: 4:38:01
